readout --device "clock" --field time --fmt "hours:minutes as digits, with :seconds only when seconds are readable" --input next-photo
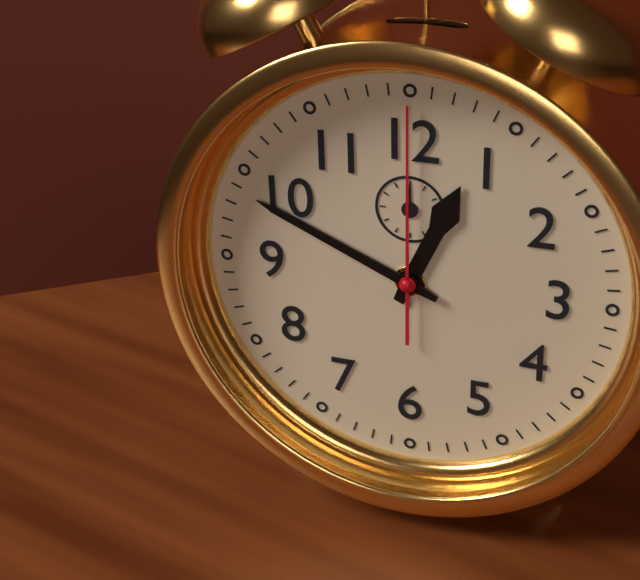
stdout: 12:49:00
